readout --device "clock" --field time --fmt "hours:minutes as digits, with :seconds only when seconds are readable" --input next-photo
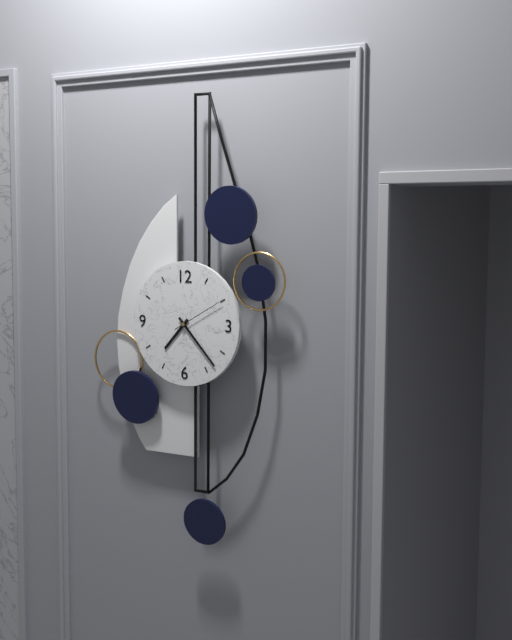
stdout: 7:23
